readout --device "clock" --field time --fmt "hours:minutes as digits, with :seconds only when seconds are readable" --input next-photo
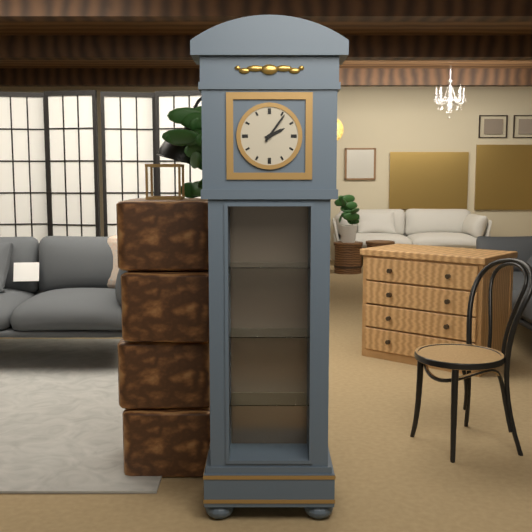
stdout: 2:06
